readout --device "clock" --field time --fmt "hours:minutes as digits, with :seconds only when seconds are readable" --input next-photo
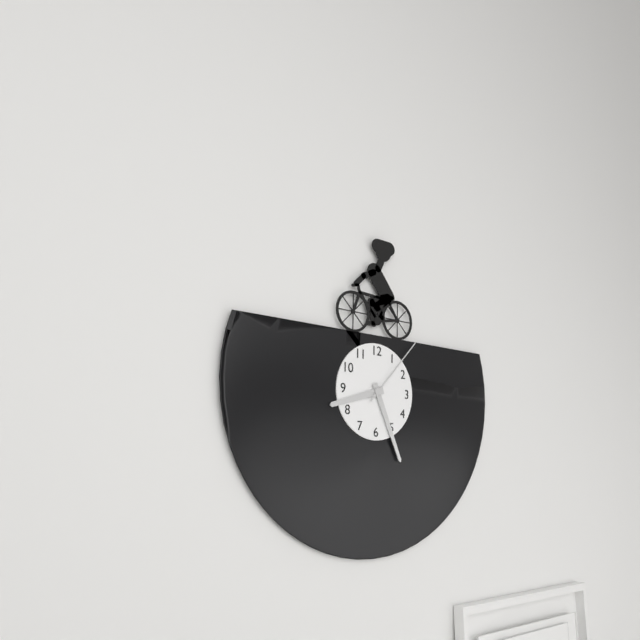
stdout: 8:26:07
